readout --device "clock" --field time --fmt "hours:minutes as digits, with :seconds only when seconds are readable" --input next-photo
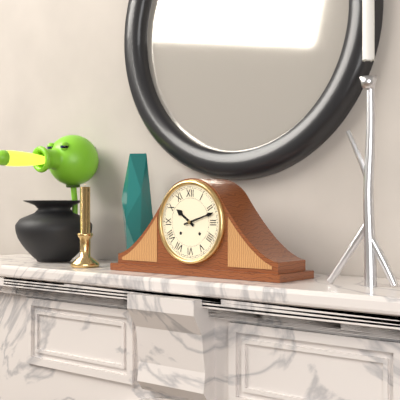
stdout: 10:12
